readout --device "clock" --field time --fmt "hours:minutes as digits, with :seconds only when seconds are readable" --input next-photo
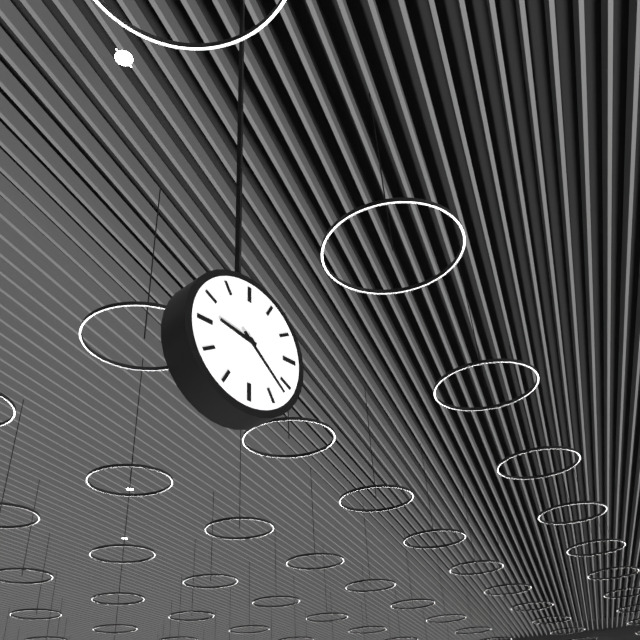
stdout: 9:22
